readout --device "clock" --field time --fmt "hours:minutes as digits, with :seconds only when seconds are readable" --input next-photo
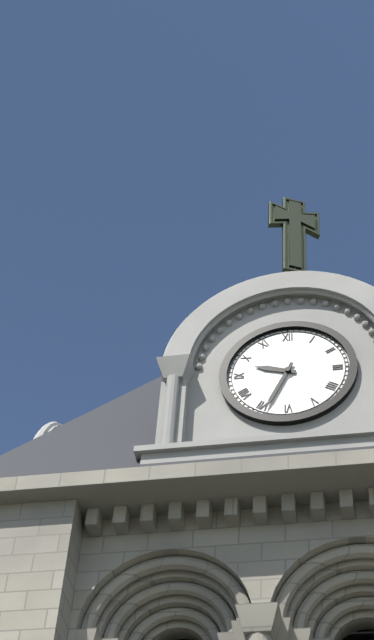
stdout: 9:34
